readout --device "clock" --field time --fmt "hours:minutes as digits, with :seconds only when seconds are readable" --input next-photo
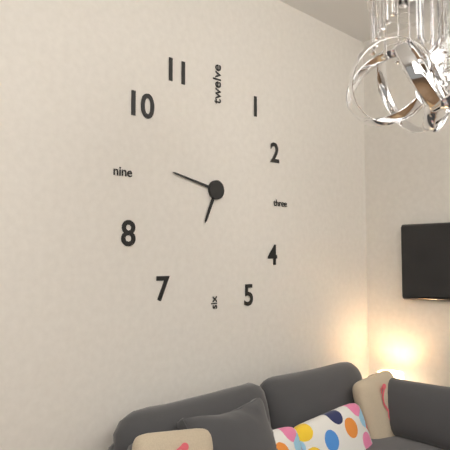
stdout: 6:47
